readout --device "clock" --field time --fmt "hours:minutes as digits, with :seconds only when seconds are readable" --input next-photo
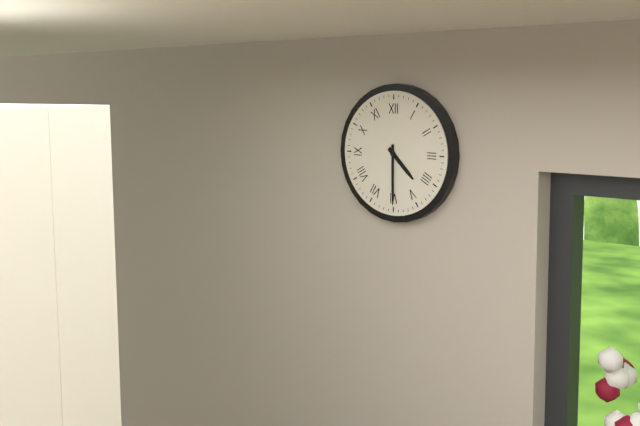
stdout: 4:30
